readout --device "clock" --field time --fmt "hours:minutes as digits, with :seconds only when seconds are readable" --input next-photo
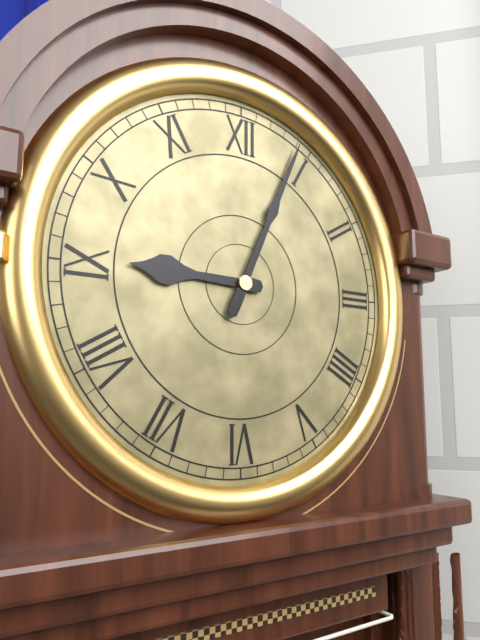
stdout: 9:04
